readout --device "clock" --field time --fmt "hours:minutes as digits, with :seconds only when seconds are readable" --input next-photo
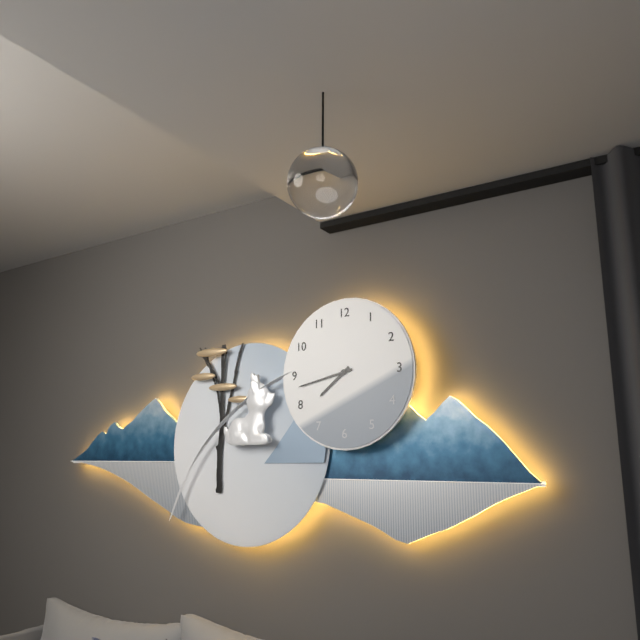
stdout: 7:43
